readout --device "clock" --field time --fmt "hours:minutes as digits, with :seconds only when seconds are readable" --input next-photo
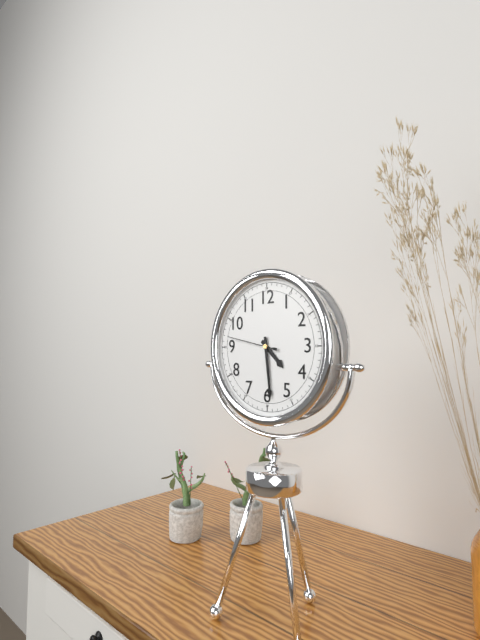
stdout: 4:29
